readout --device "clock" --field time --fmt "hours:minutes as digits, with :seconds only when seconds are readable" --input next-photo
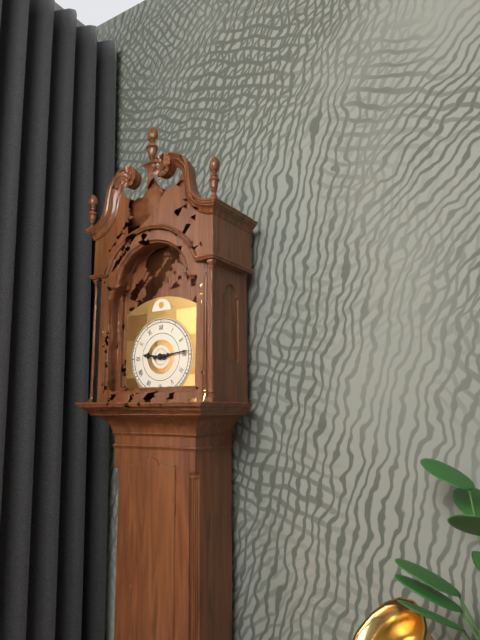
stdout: 9:14
